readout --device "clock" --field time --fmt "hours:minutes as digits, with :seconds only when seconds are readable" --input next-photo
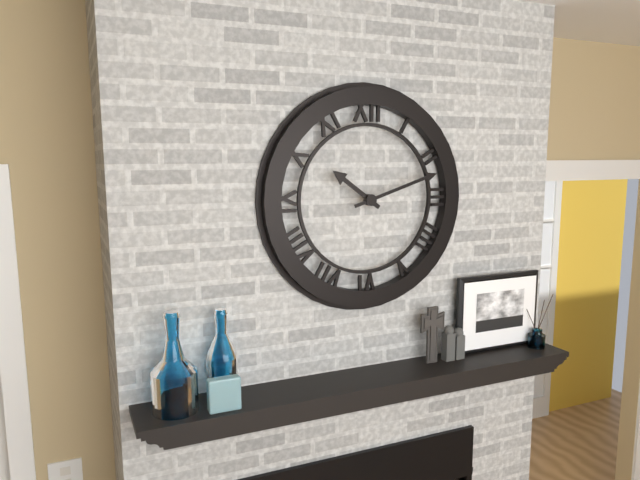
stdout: 10:12
